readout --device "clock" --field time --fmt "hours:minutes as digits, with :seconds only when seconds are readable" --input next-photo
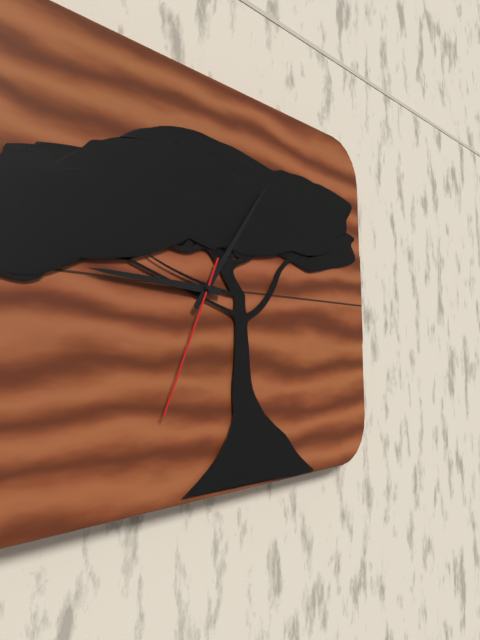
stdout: 9:06:34
